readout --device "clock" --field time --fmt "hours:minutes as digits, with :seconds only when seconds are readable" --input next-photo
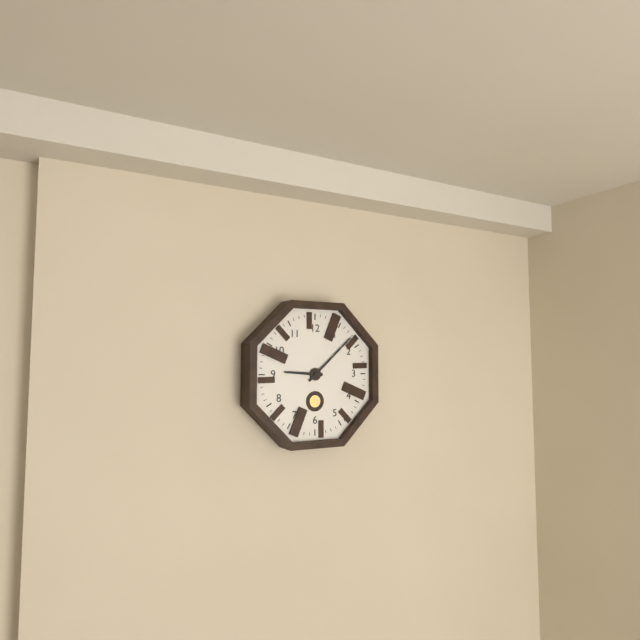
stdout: 9:08
